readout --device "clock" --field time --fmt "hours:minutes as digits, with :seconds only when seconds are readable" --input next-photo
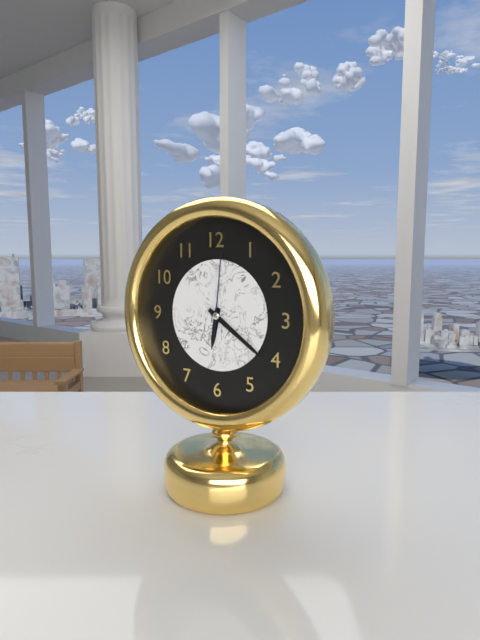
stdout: 6:21:01
